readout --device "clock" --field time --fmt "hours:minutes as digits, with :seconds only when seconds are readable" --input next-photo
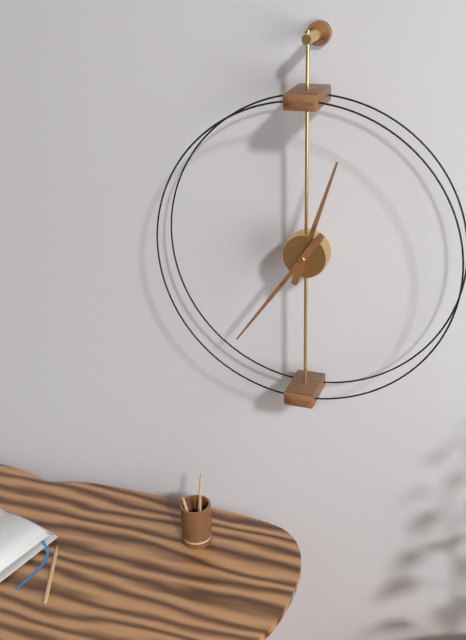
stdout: 12:36
